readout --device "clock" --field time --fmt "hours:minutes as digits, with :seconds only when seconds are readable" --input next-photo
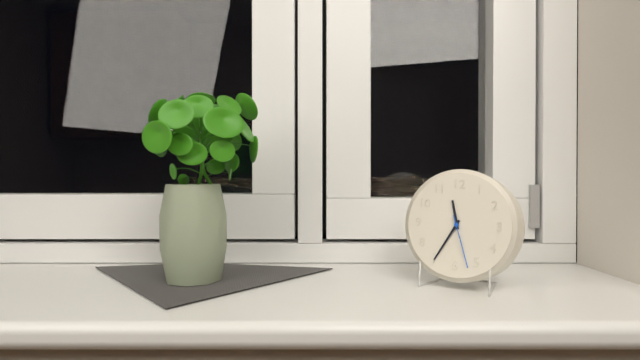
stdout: 11:35:27
